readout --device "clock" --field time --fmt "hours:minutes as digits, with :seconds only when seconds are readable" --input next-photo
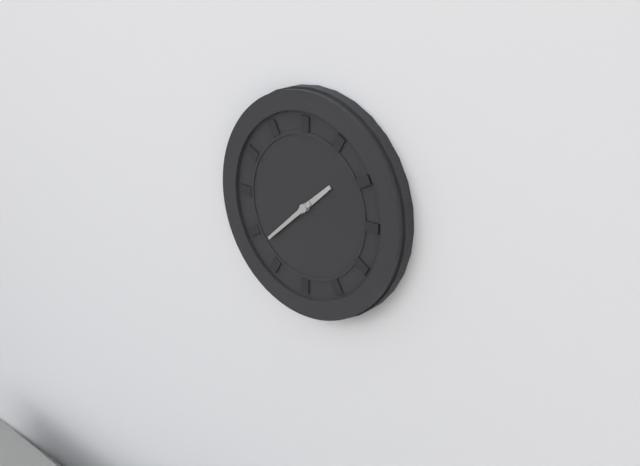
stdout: 1:38
